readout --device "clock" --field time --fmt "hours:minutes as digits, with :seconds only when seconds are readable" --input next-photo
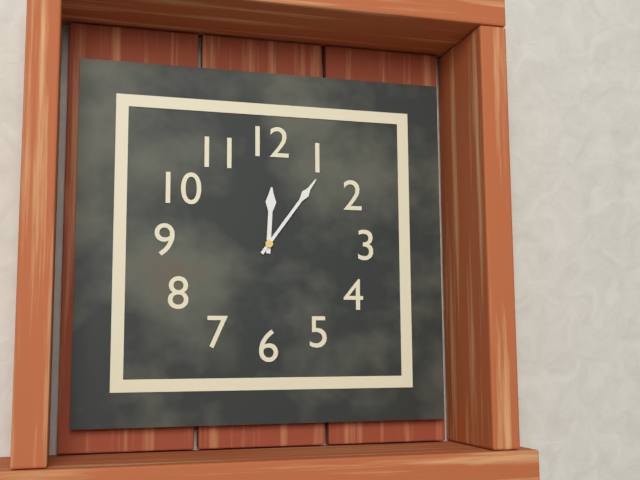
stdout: 12:06
